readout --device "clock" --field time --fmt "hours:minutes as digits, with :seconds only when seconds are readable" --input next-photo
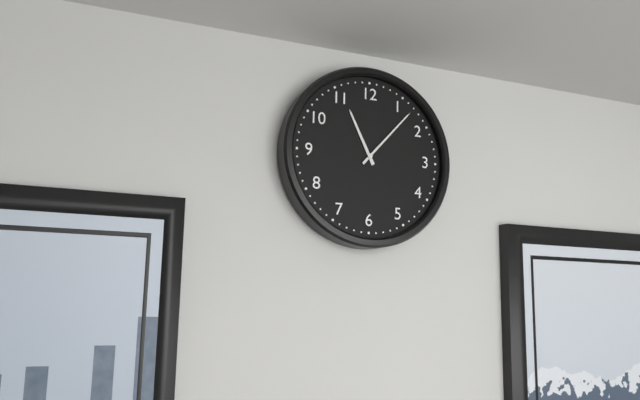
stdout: 11:07
